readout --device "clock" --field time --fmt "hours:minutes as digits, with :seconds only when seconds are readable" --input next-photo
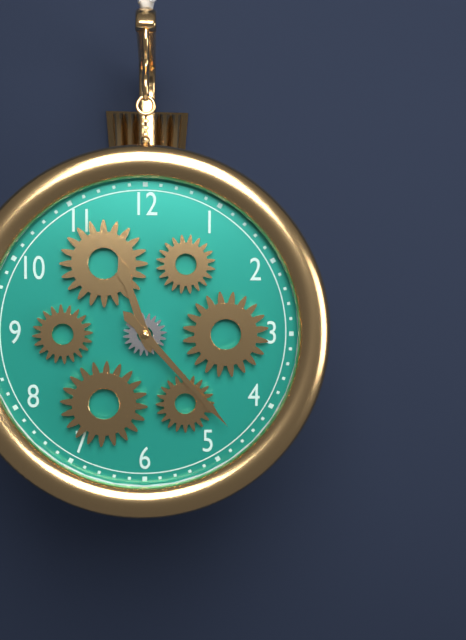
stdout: 11:23
